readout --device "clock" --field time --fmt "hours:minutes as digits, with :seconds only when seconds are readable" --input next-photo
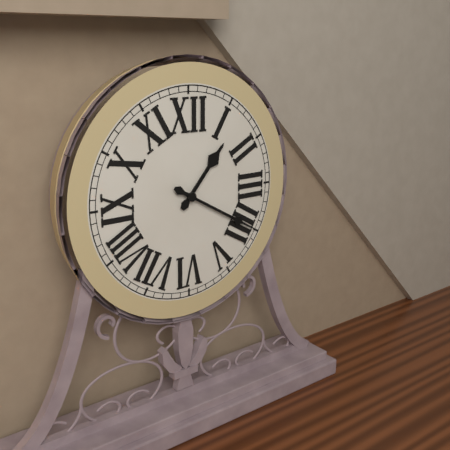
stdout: 1:20
